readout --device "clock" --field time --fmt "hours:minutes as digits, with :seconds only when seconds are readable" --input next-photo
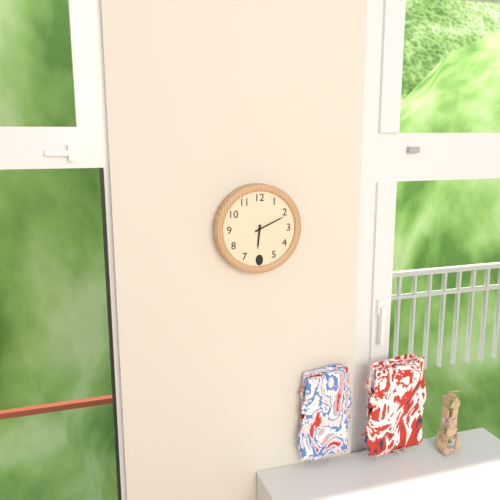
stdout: 6:11
